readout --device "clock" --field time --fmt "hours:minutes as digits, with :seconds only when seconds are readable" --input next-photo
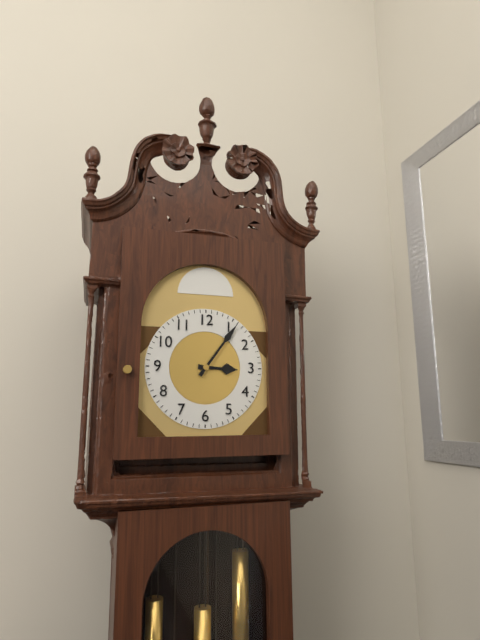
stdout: 3:06
